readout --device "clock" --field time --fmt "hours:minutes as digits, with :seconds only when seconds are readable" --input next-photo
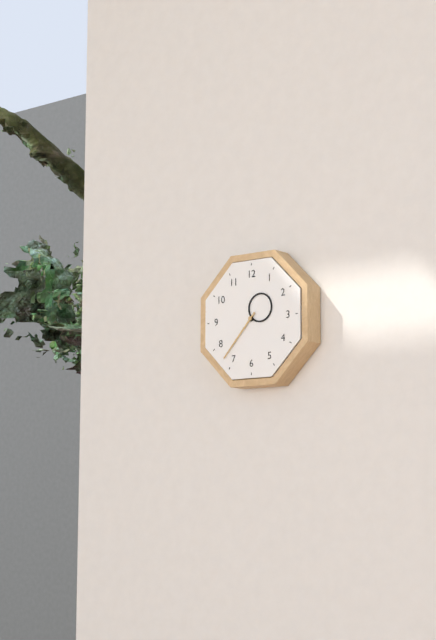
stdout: 1:37
